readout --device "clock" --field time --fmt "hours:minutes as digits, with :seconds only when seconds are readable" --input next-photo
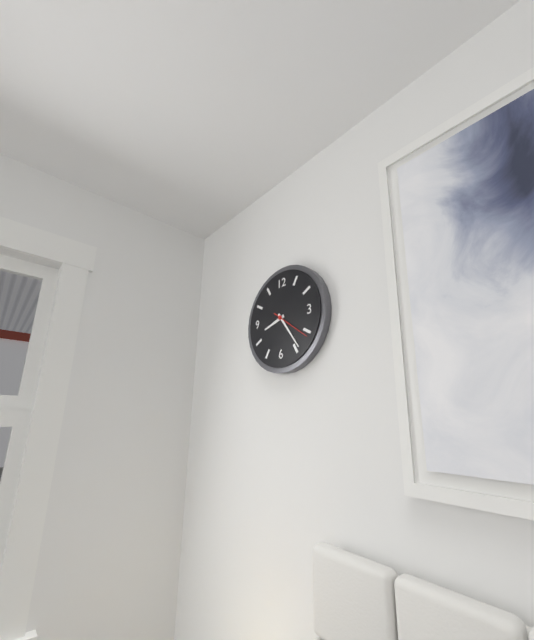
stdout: 8:24
